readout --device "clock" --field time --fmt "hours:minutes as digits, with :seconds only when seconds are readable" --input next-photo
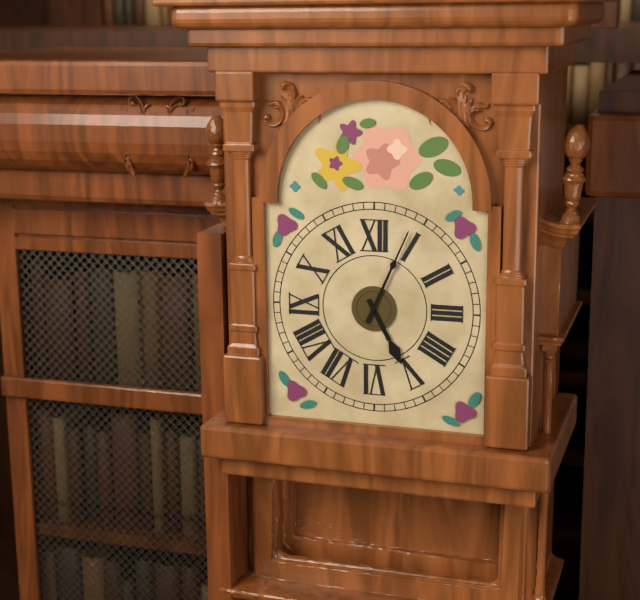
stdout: 5:04
